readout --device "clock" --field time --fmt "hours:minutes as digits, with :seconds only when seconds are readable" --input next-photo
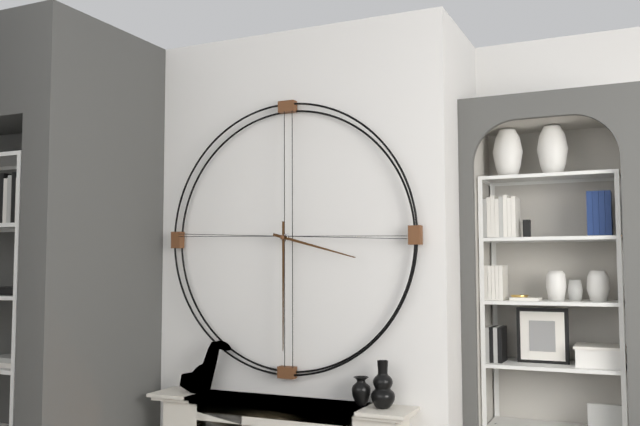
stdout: 3:30
